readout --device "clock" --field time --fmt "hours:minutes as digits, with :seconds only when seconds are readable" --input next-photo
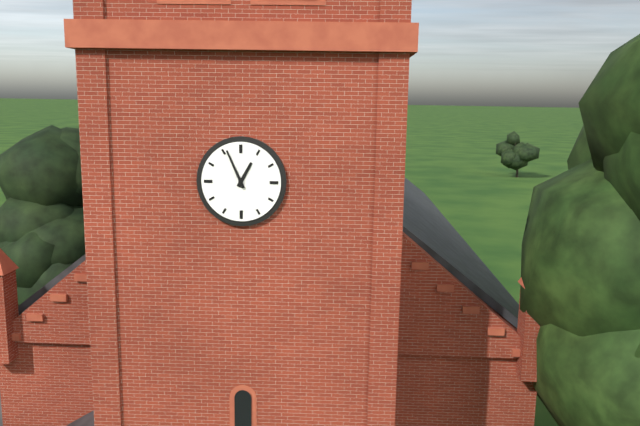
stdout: 12:56
